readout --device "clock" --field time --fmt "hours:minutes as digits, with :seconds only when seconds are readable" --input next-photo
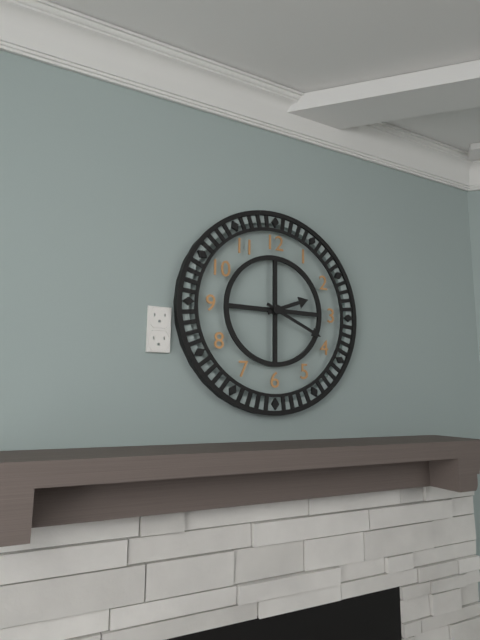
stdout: 2:19
